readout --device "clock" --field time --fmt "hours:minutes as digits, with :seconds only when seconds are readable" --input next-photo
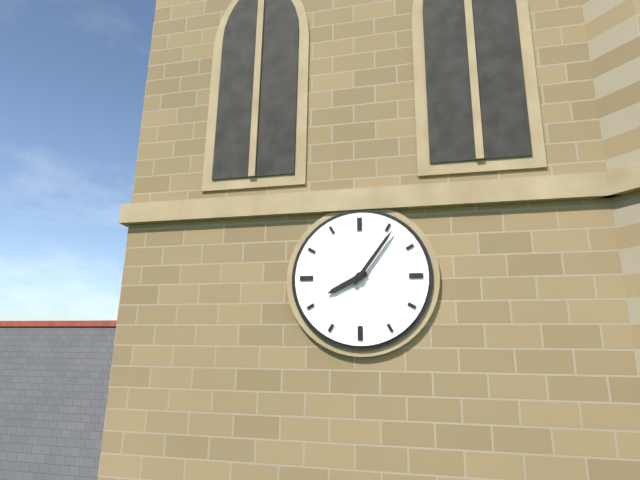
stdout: 8:06
